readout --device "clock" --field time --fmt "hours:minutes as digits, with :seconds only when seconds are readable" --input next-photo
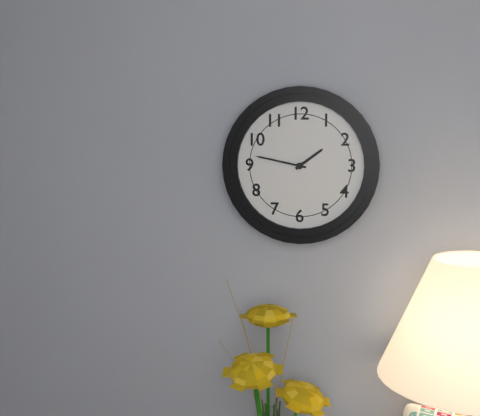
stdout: 1:47
